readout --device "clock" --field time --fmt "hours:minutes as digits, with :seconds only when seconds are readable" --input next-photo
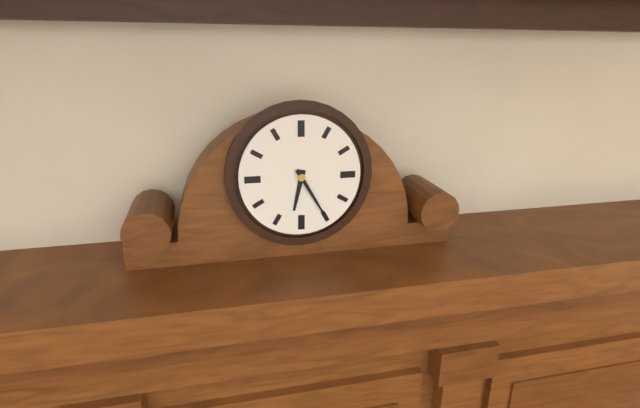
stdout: 6:25
